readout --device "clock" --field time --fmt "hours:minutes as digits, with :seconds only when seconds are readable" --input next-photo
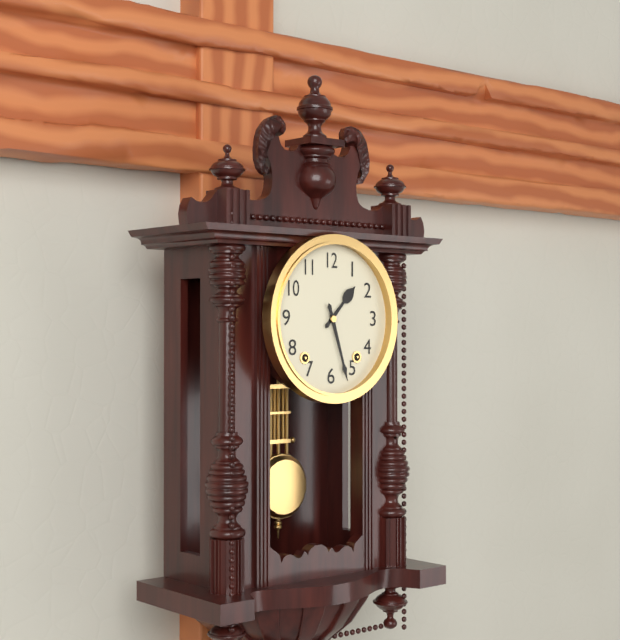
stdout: 1:27
